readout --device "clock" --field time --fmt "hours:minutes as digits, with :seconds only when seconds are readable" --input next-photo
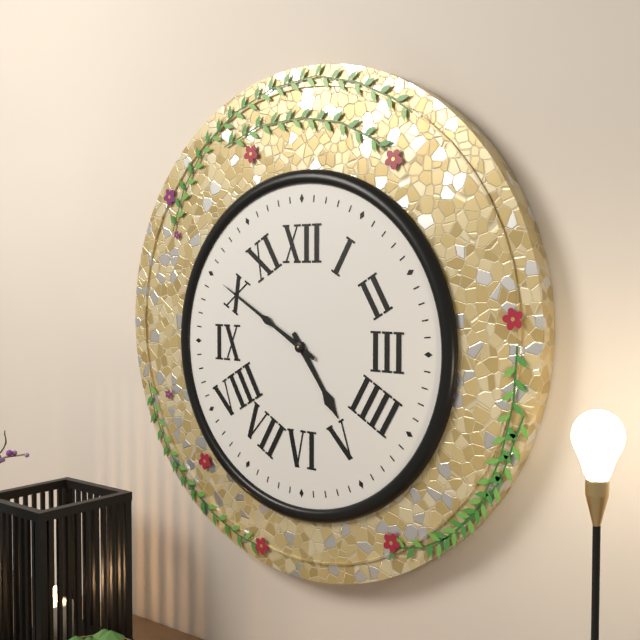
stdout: 4:50
